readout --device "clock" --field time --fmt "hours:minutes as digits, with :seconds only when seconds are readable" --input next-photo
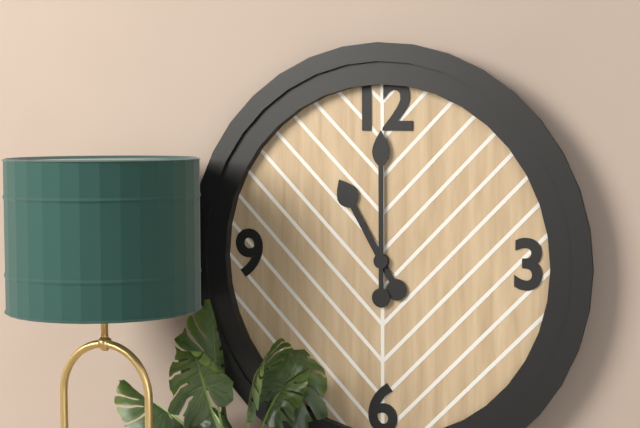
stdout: 11:00
